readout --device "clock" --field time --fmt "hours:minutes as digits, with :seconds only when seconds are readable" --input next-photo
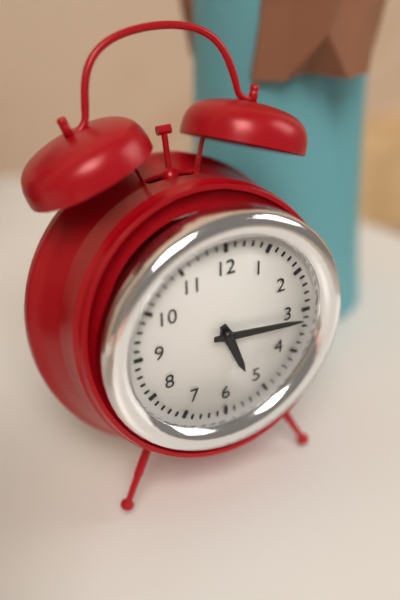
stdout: 5:16
